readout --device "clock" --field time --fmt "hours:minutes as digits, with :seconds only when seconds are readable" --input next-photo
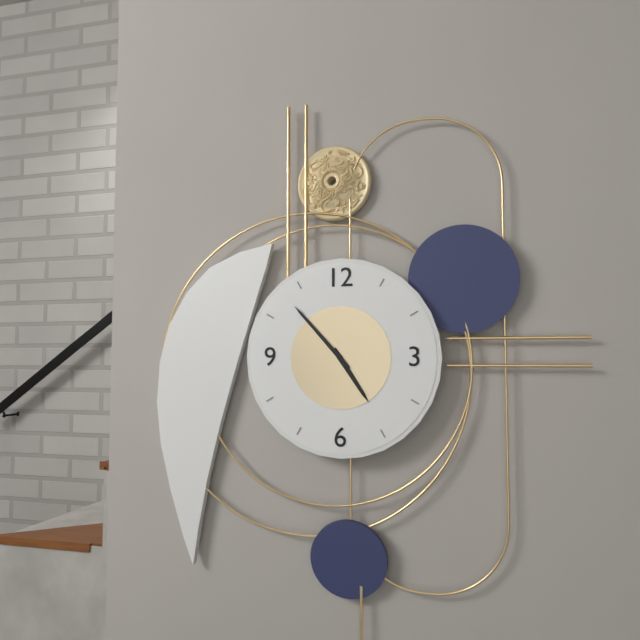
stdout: 4:53
